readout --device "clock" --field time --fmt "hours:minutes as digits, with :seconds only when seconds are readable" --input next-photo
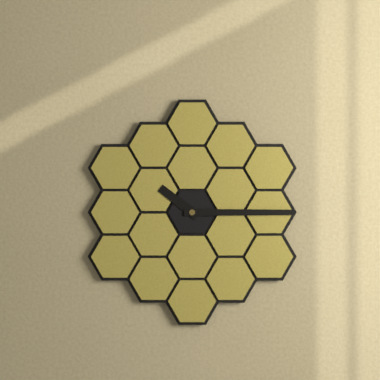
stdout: 10:15
